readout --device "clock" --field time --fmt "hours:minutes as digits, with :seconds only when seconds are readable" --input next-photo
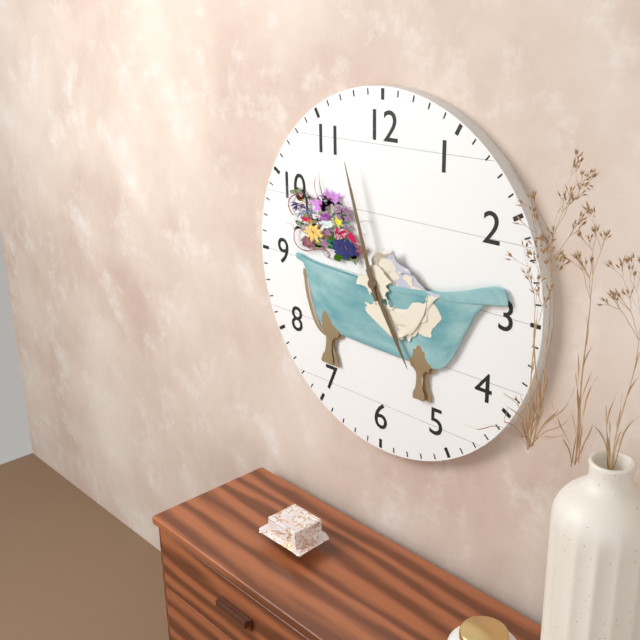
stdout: 4:57
